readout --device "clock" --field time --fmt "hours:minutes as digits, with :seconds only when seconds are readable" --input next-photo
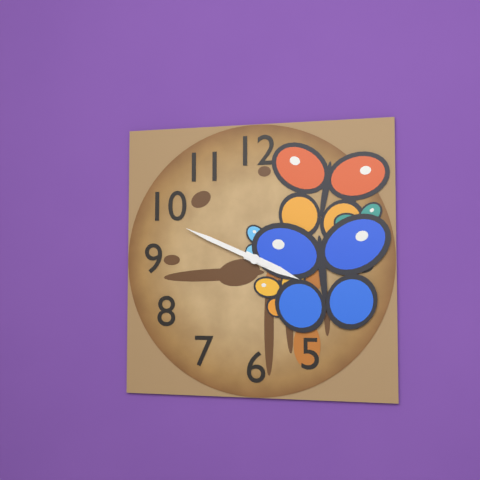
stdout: 3:49
